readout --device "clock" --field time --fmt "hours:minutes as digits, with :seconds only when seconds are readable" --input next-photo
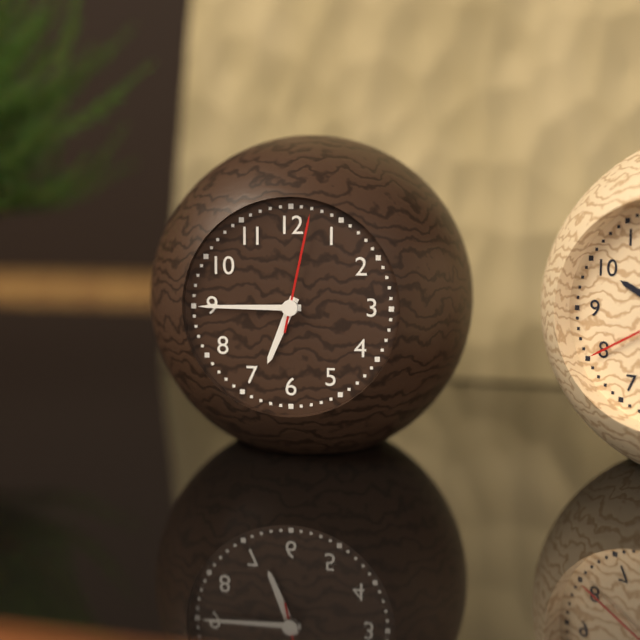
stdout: 6:45:02
